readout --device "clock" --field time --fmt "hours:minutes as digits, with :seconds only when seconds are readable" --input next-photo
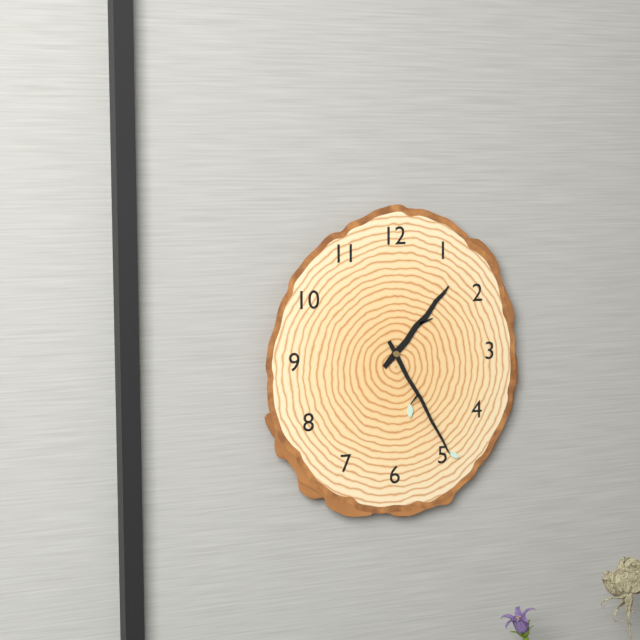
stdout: 1:25
